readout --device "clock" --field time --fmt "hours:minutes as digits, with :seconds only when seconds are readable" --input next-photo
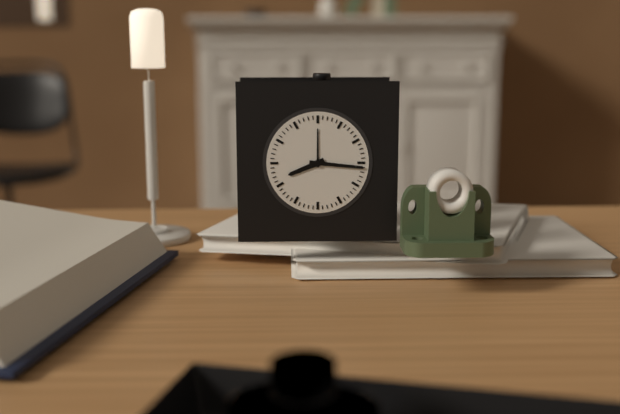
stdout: 8:16
